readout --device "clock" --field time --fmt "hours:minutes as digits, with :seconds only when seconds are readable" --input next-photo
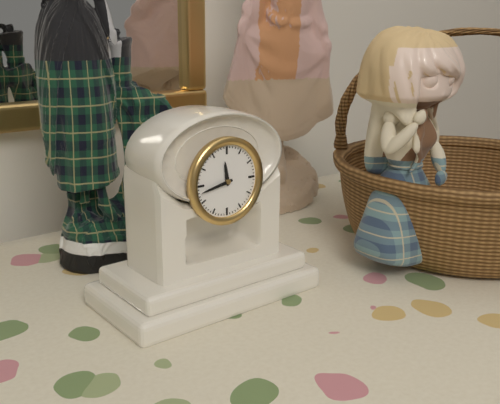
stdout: 11:43
